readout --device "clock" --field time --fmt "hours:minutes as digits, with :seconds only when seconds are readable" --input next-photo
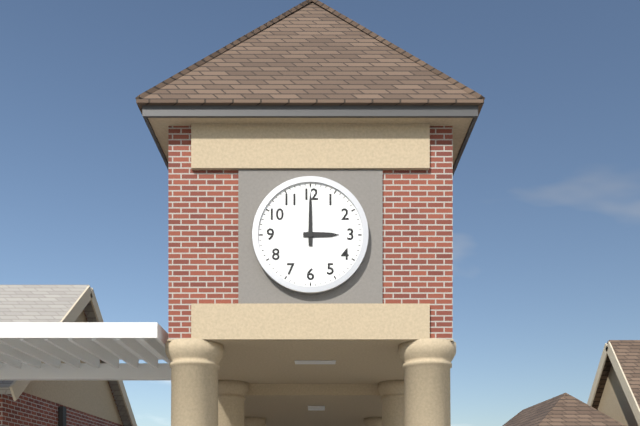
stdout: 3:00
